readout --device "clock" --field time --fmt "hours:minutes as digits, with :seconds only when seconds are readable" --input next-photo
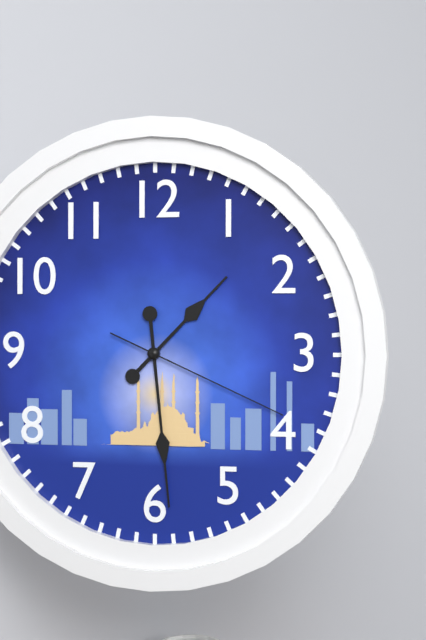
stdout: 1:29:19
